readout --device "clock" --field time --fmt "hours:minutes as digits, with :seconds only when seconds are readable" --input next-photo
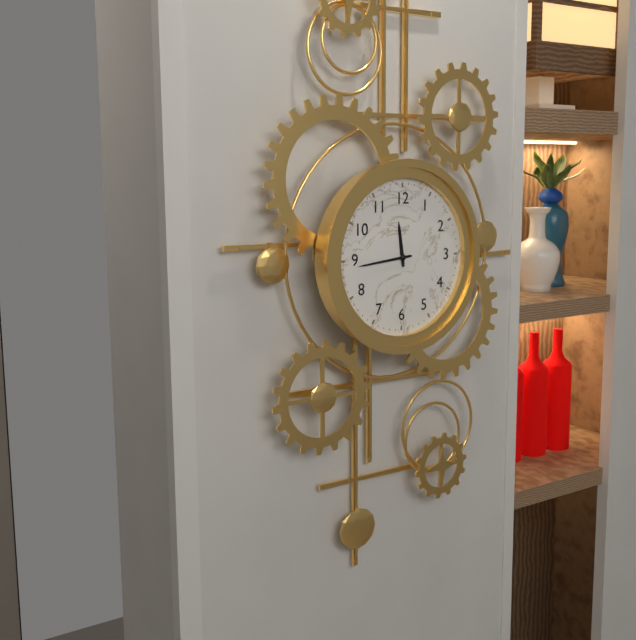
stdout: 11:44
